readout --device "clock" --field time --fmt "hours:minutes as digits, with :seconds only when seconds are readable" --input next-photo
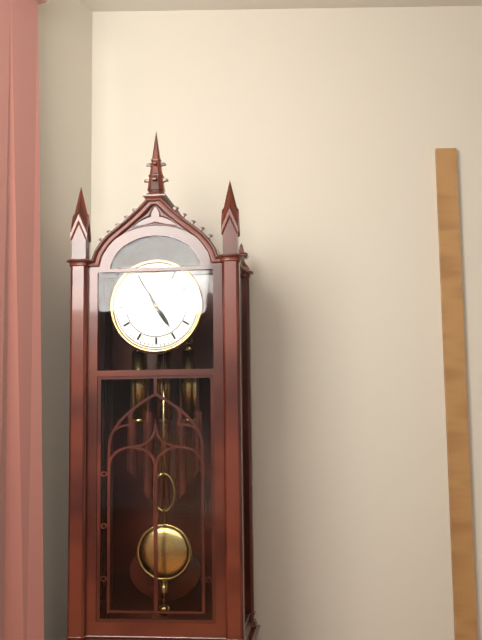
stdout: 4:55
